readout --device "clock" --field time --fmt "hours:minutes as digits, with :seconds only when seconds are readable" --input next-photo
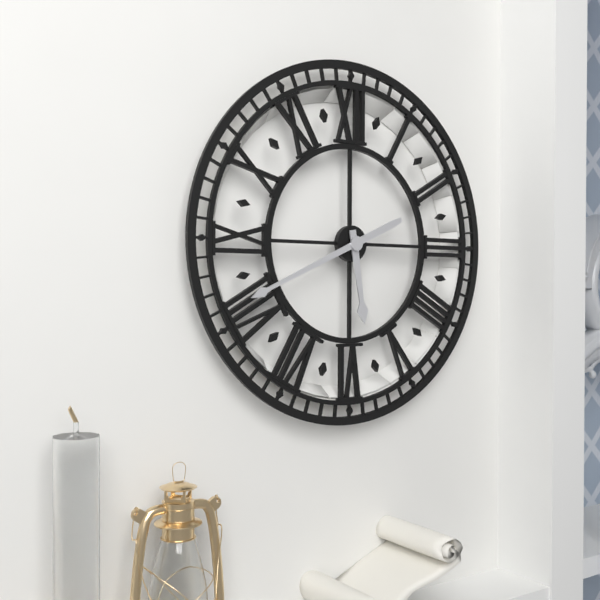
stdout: 5:41
